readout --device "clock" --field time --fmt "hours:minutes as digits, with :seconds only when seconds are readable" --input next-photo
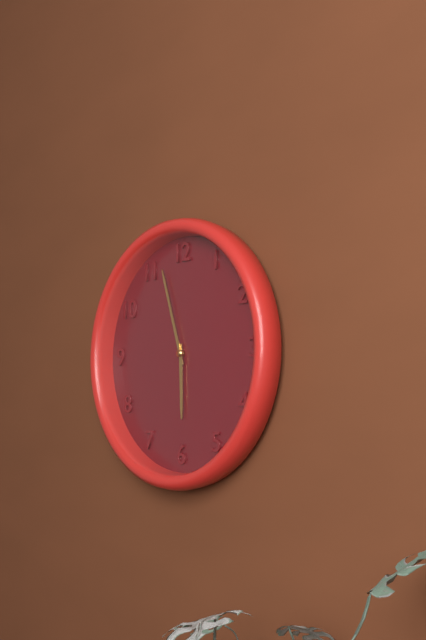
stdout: 5:57
